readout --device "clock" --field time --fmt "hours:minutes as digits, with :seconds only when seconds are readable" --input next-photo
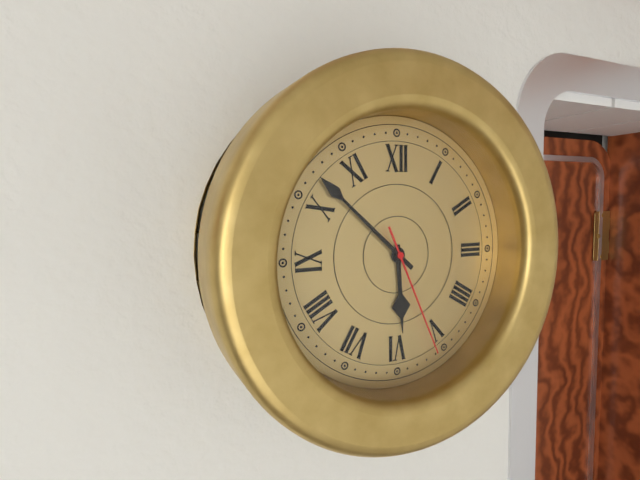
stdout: 5:52:26
